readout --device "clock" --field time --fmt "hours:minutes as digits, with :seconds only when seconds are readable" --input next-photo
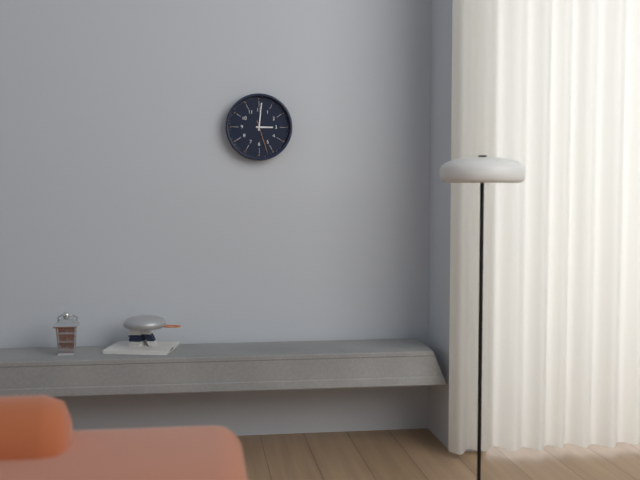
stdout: 3:01
